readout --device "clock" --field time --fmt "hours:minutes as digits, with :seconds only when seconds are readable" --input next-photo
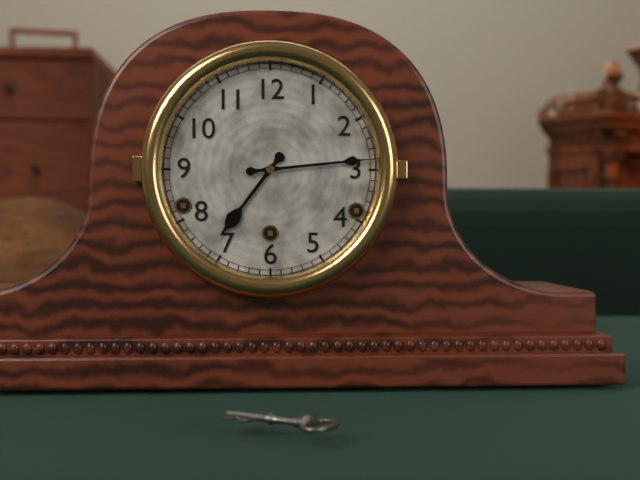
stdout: 7:14
